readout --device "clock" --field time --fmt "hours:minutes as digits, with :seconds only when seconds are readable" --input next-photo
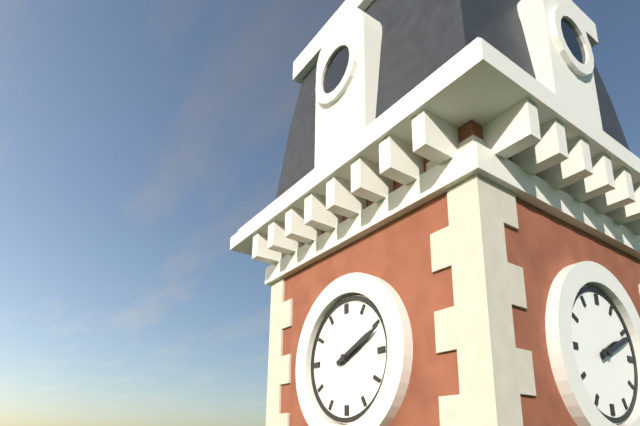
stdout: 2:11
